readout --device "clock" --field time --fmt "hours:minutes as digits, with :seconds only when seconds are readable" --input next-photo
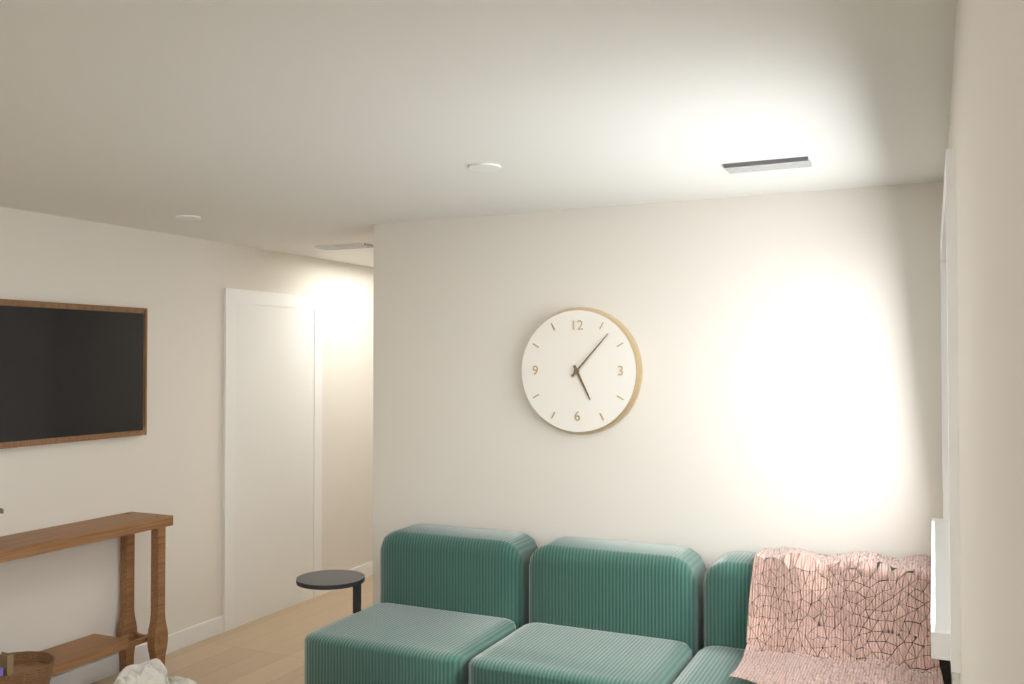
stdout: 5:07
